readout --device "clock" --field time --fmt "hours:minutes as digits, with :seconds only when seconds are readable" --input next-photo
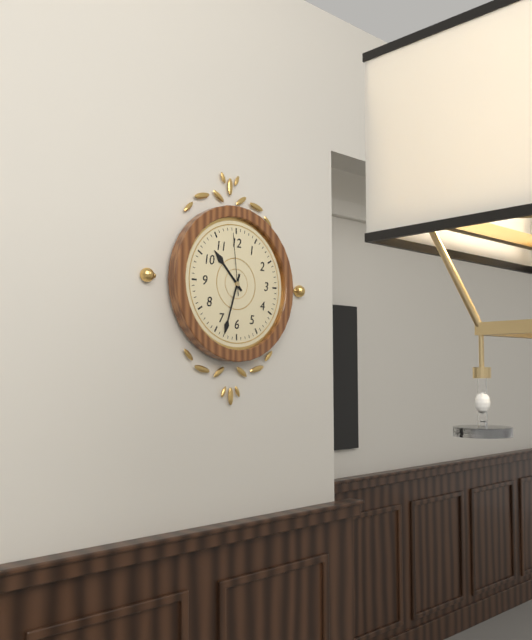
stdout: 10:33:59
